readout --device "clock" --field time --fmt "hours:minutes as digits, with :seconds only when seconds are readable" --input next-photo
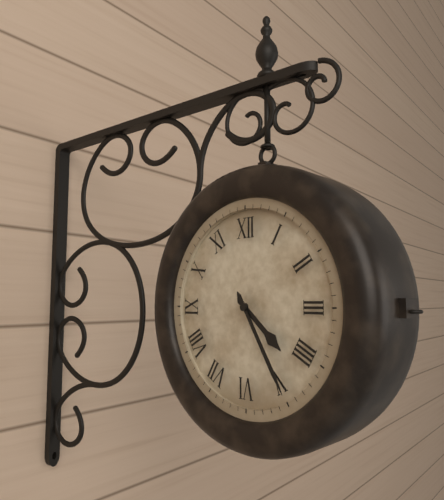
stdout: 4:25
